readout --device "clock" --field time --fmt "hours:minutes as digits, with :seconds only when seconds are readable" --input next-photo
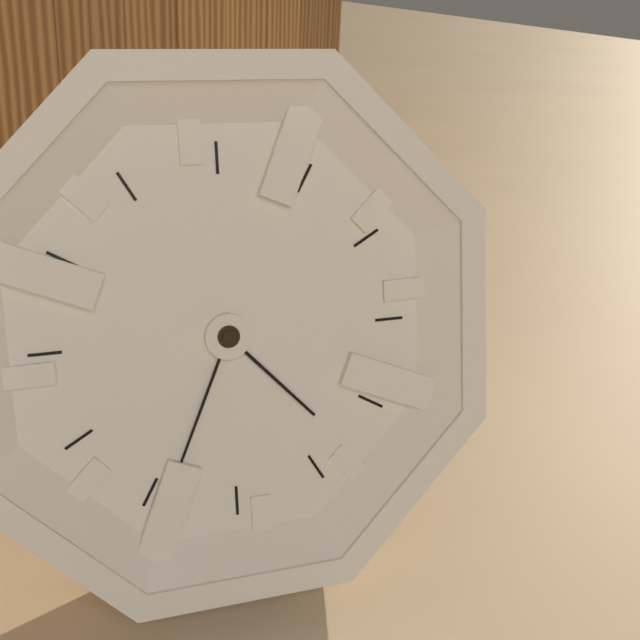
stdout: 4:34
